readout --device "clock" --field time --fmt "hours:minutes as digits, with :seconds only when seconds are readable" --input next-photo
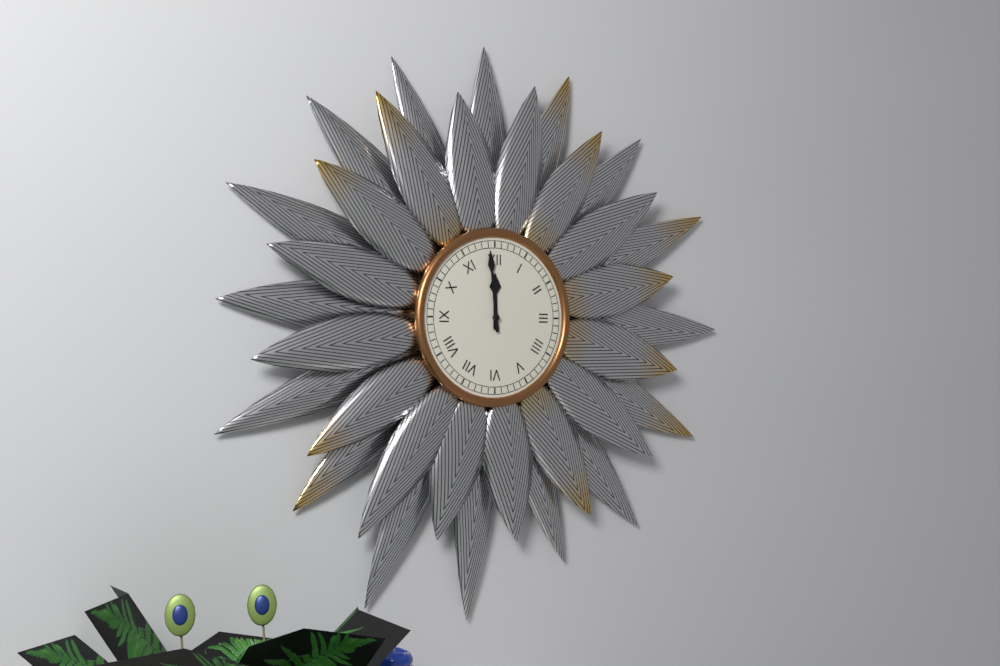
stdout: 11:59
